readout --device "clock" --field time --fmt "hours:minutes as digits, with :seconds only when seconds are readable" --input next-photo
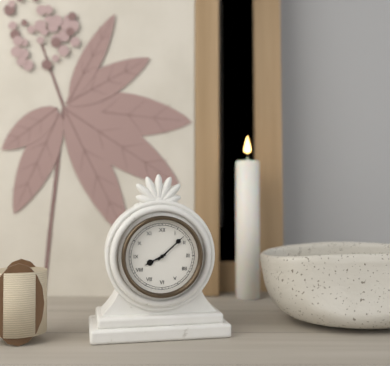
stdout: 8:08
